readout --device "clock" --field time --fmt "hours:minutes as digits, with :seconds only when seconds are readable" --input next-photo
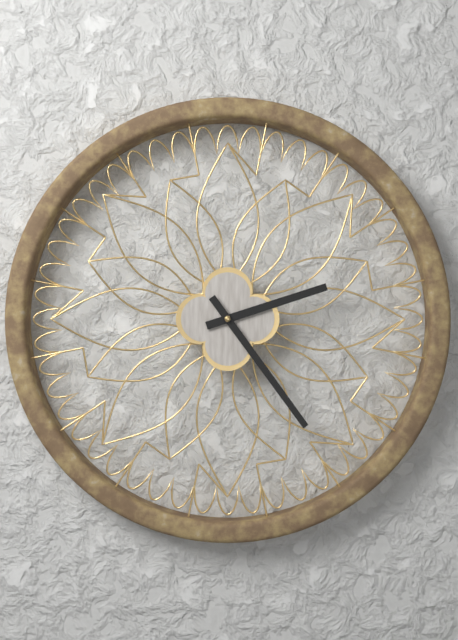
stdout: 2:24
